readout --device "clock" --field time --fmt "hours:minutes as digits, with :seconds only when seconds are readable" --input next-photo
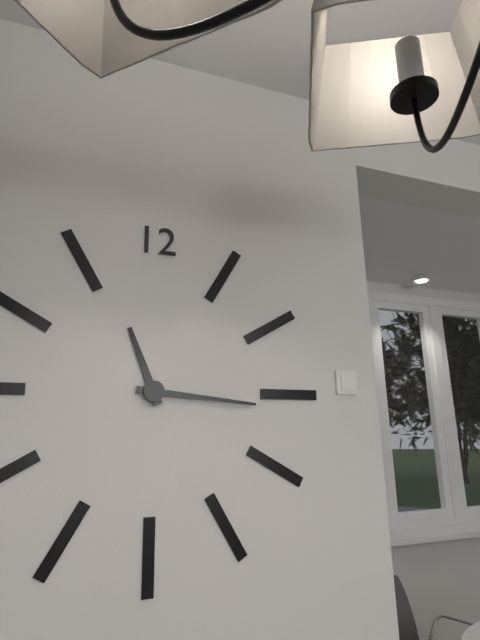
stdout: 11:16
